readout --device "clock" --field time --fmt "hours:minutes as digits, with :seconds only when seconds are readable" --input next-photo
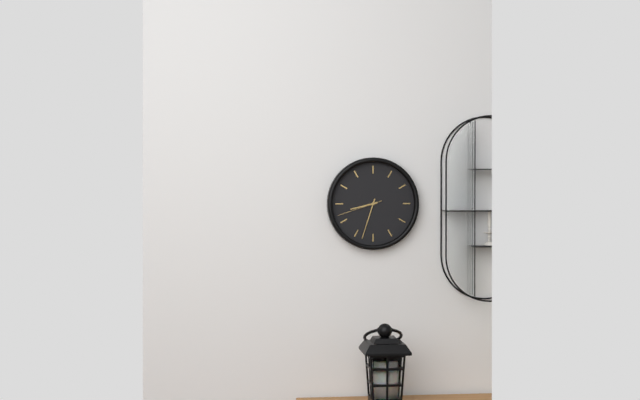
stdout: 8:33
